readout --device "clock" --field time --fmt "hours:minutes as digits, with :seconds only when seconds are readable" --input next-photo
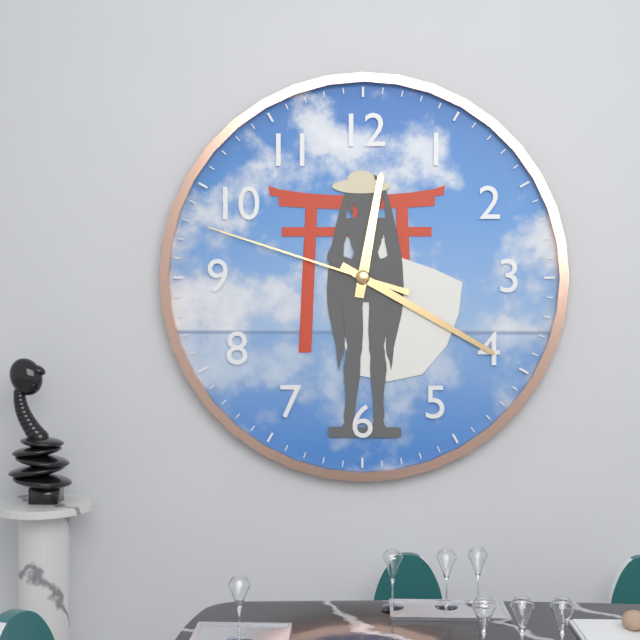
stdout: 12:20:48
